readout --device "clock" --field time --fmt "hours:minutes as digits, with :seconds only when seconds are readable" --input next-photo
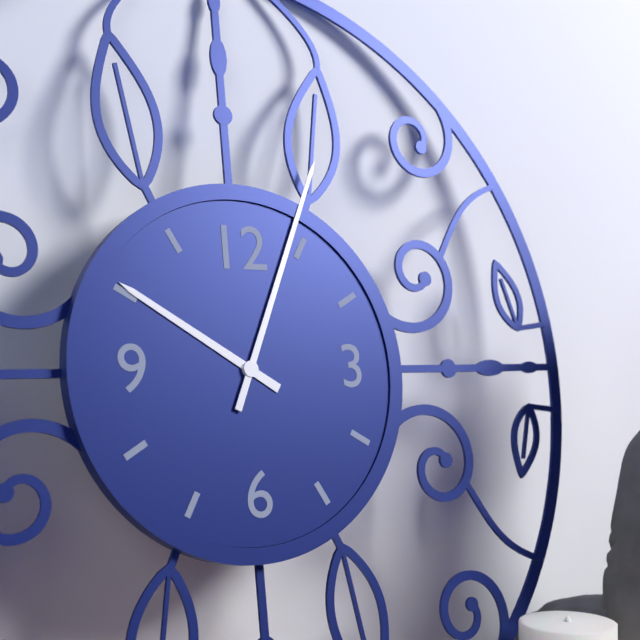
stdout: 10:04
